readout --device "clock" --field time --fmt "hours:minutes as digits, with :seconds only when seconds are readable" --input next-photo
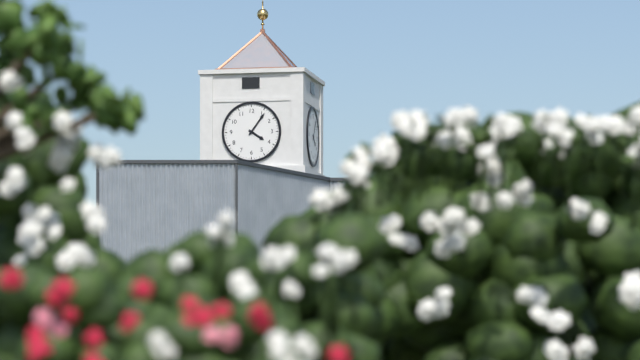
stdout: 4:06
